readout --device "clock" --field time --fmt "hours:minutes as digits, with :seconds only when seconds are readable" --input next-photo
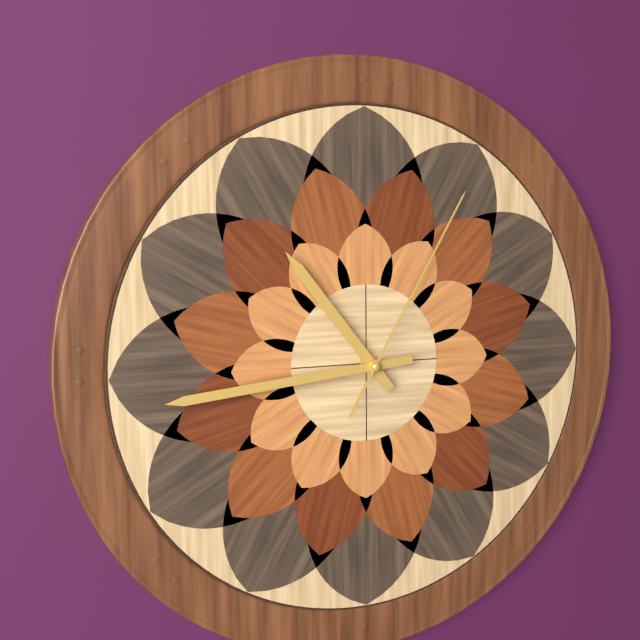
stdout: 10:44:05
